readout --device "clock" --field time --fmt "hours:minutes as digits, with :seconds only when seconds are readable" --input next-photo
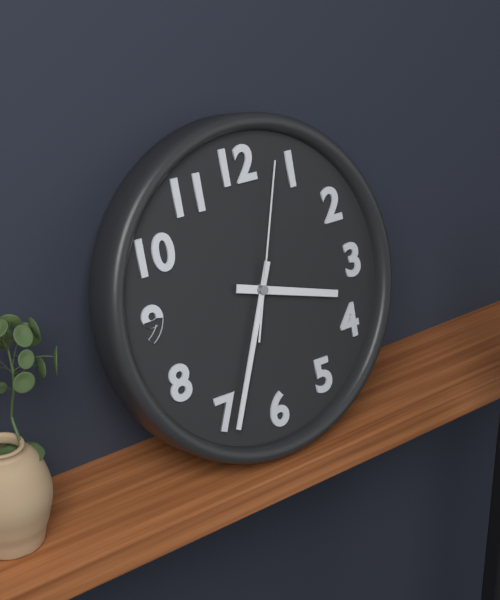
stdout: 3:34:03
